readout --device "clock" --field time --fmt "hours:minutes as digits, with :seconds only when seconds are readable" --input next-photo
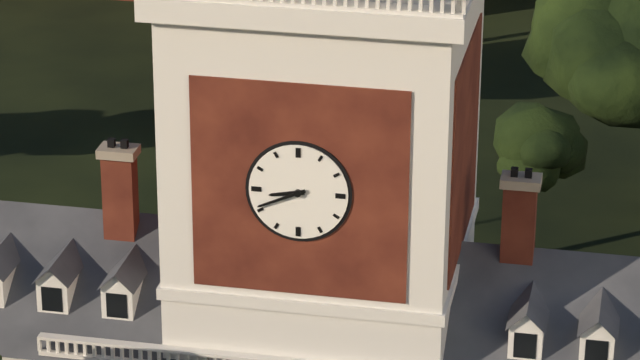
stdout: 8:41
